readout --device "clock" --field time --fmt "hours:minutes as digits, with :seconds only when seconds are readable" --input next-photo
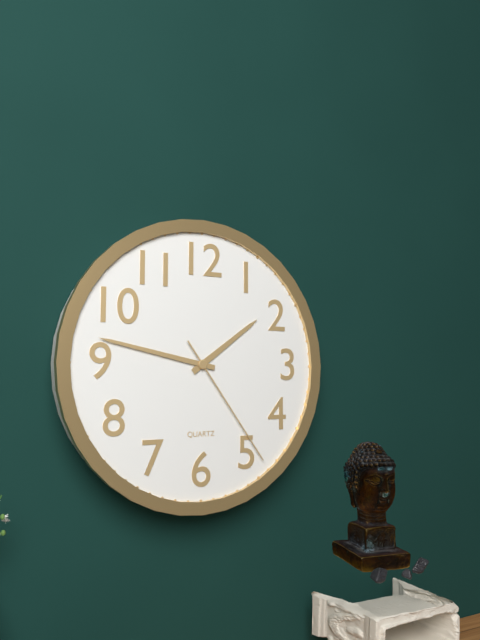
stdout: 1:47:24
